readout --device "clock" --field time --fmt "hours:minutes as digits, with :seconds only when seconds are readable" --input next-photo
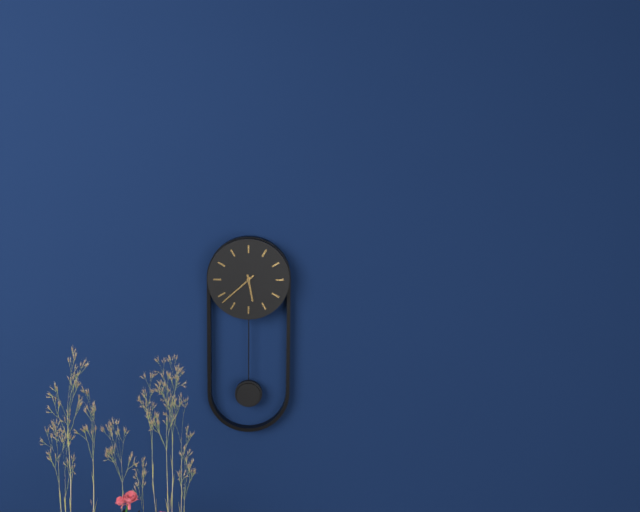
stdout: 5:38
